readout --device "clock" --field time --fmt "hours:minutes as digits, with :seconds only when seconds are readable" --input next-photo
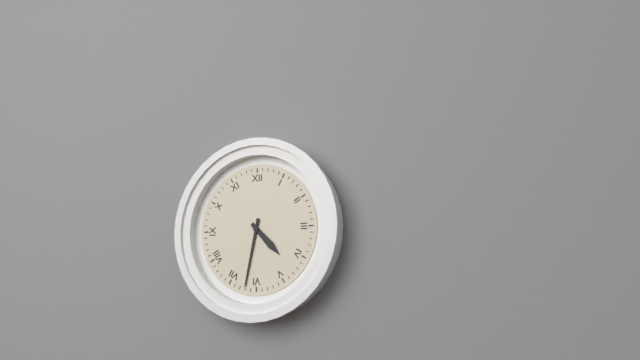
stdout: 4:32
